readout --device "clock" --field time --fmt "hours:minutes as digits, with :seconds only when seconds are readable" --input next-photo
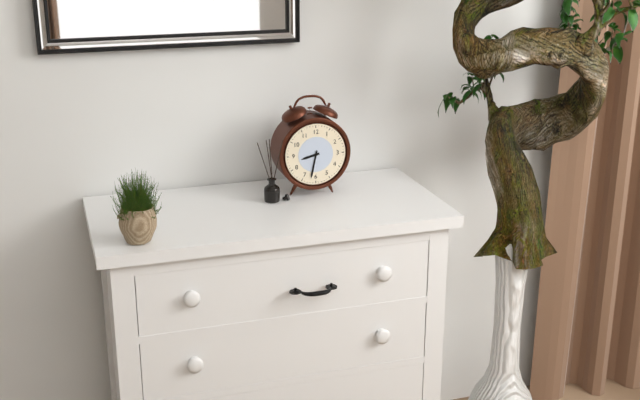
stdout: 8:32
